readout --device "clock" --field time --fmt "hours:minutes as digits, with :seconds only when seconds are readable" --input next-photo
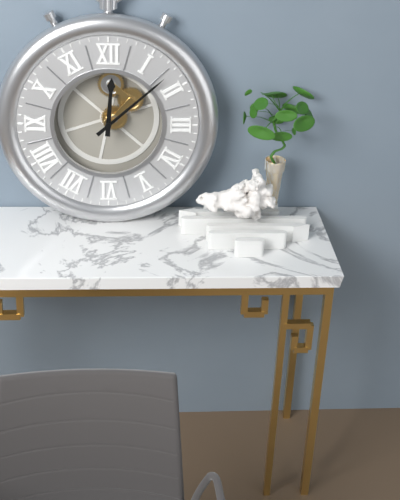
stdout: 12:08
